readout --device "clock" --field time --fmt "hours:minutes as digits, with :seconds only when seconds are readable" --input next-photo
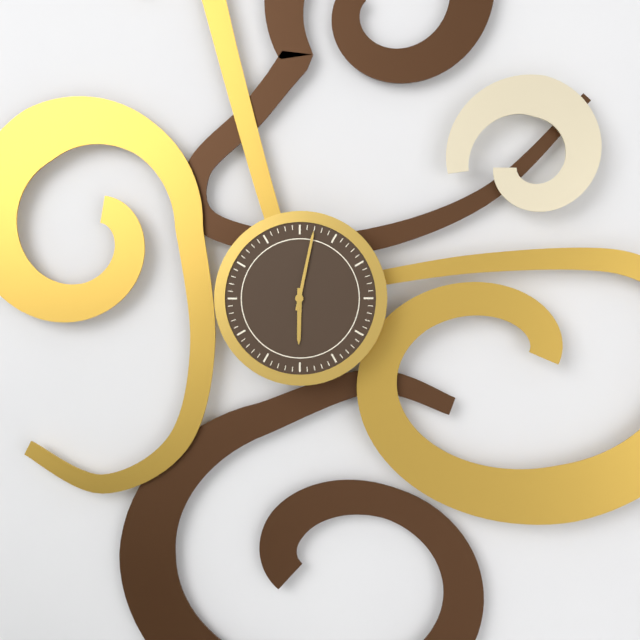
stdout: 6:02
